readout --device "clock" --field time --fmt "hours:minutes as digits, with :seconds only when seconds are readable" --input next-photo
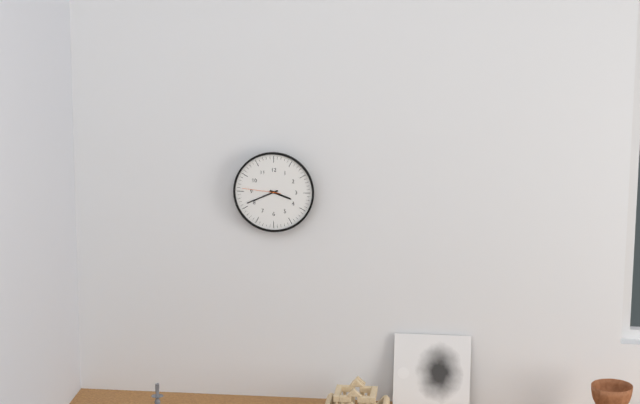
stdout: 3:41
